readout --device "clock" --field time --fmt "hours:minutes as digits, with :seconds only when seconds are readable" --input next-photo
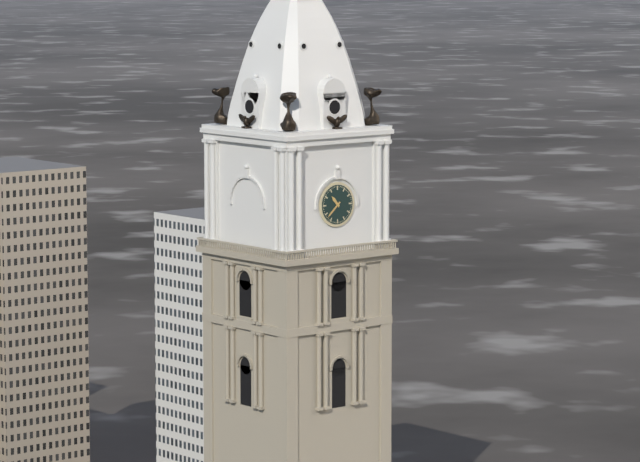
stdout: 10:38
